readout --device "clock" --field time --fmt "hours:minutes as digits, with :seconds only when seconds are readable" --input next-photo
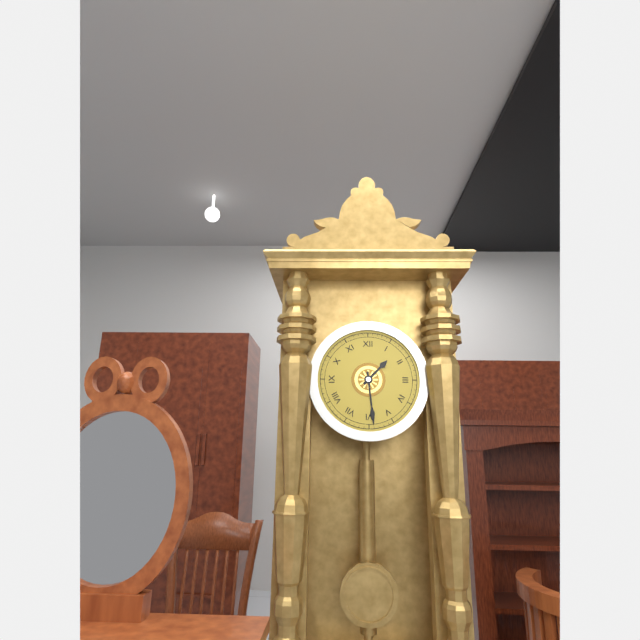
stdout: 1:29
